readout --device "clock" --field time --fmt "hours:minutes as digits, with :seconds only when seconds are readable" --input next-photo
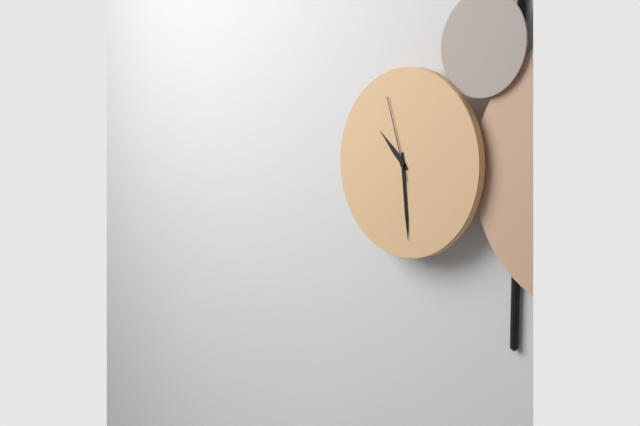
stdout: 10:29:57
